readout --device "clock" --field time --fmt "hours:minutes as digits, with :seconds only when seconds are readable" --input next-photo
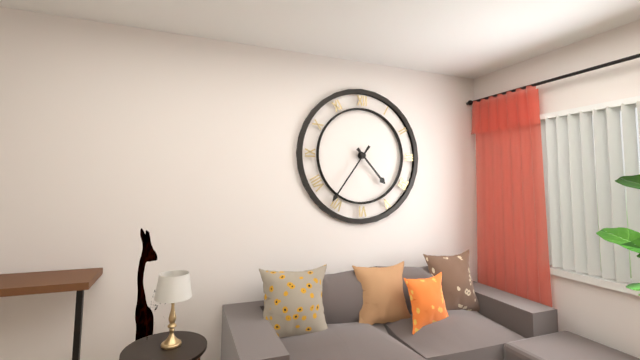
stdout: 4:36
